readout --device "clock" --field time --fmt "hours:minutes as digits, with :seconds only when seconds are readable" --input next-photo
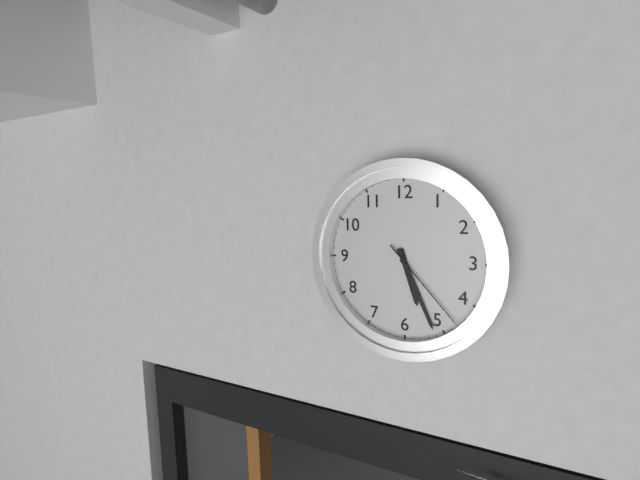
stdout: 5:26:23
